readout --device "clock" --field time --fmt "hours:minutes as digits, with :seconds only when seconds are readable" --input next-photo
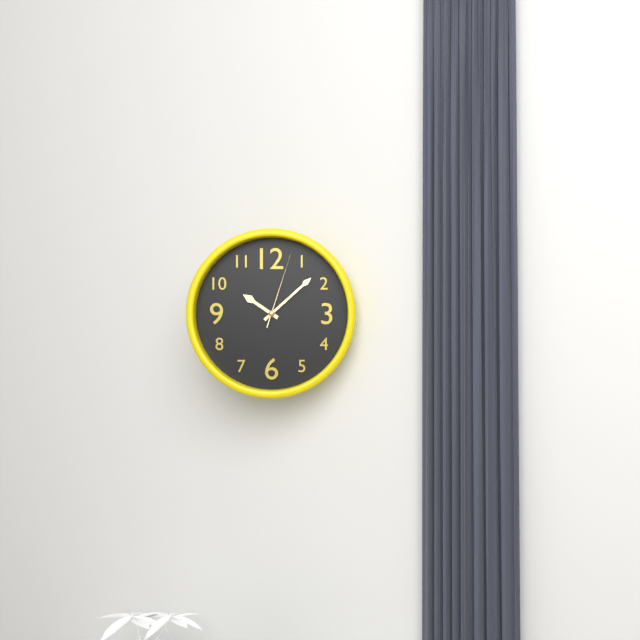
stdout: 10:08:03
